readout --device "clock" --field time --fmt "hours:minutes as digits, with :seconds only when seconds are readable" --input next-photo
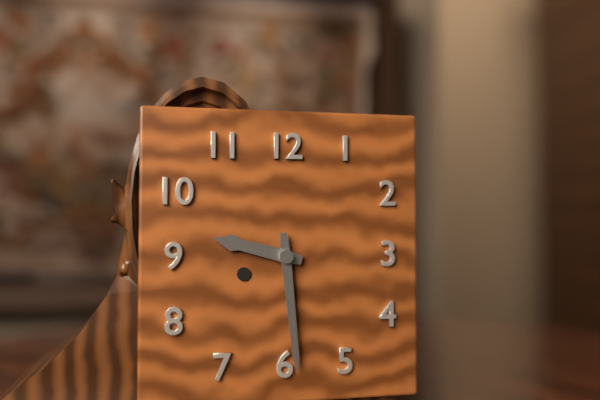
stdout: 9:29
